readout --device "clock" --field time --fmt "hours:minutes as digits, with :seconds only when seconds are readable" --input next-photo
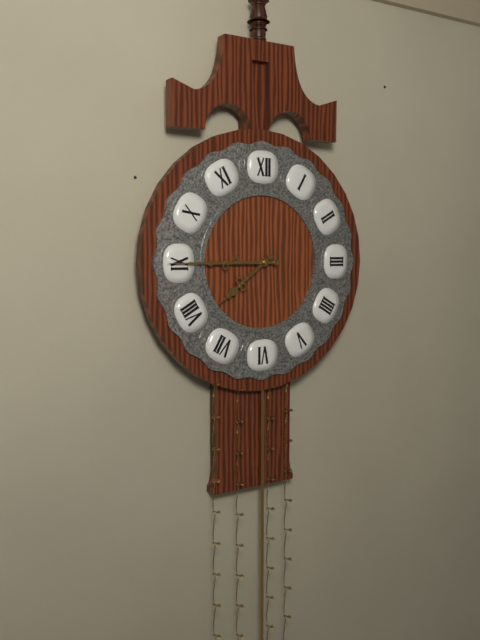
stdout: 7:45
